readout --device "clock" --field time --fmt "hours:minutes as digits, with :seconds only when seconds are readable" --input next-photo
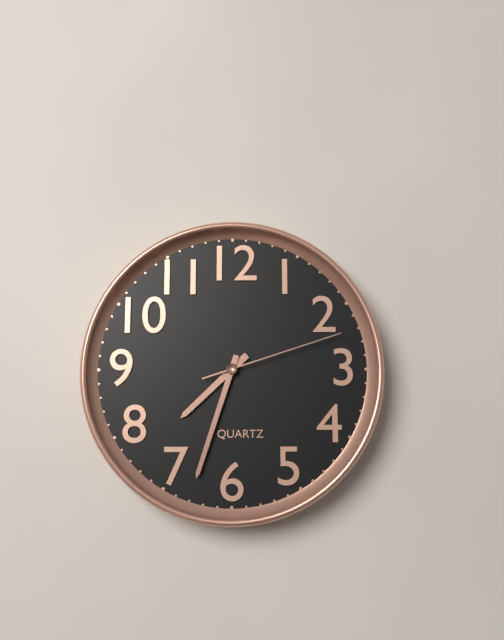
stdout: 7:33:12
